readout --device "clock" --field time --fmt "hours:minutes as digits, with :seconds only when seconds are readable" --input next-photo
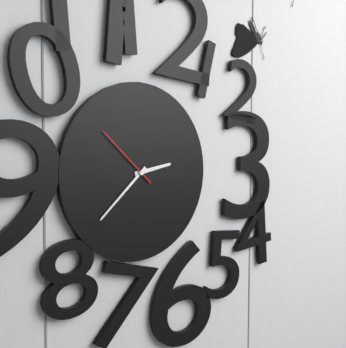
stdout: 2:38:52
